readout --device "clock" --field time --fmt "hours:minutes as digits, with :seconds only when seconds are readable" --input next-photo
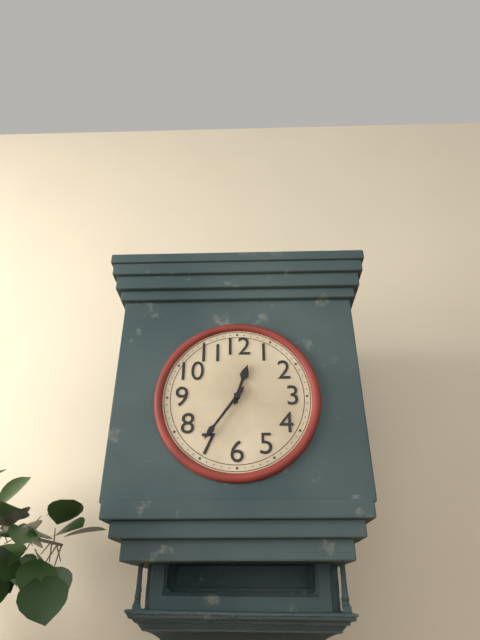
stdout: 12:36
